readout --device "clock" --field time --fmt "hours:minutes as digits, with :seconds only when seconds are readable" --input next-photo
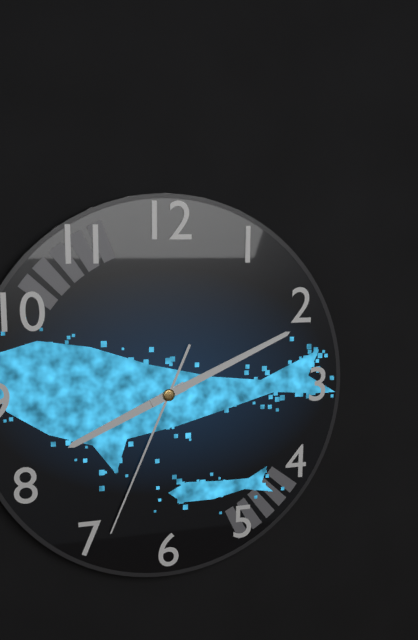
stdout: 8:11:34
